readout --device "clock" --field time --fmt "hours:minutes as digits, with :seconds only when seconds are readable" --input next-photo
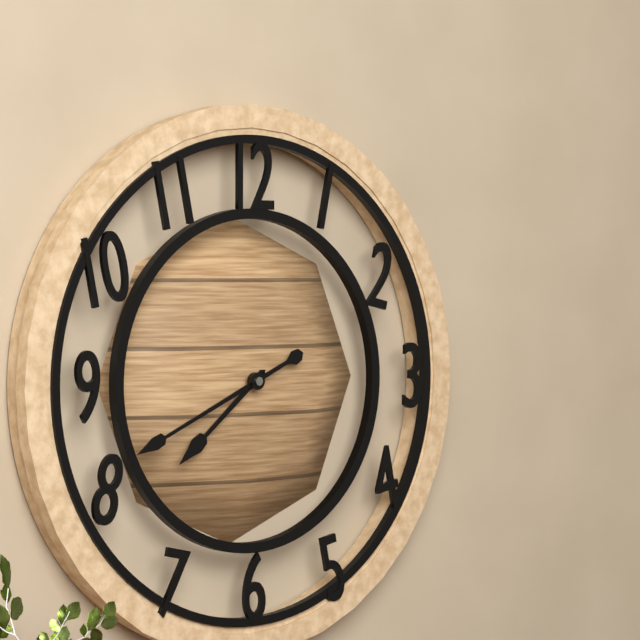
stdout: 7:41
